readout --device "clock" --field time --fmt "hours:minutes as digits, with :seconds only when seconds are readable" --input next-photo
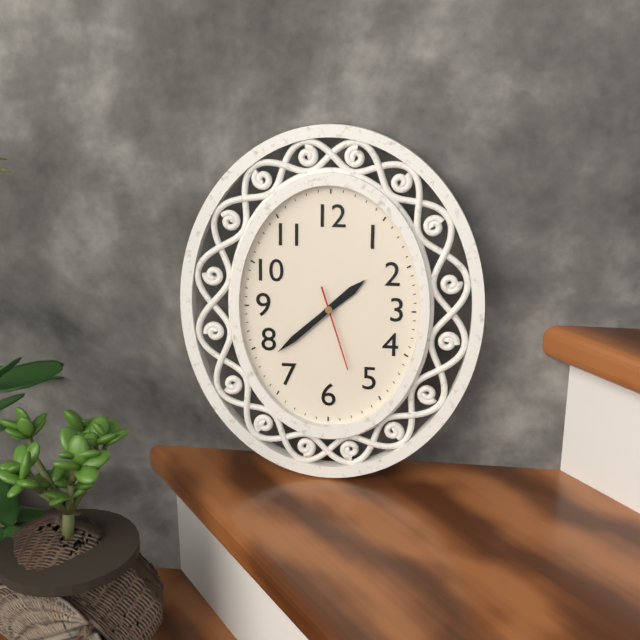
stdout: 1:38:27
